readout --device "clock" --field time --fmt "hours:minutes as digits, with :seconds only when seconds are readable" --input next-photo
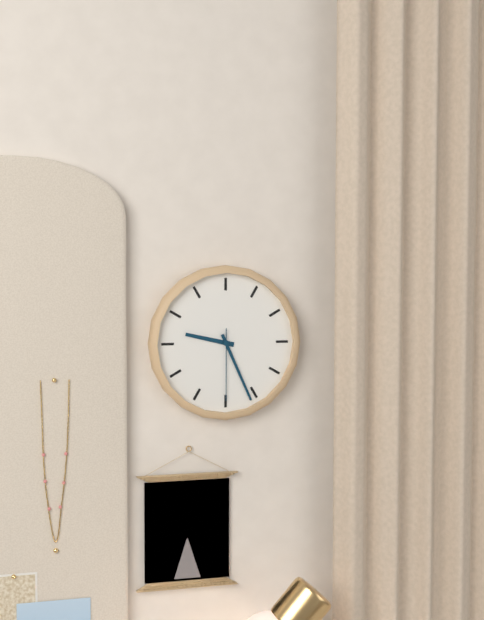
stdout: 9:26:30
